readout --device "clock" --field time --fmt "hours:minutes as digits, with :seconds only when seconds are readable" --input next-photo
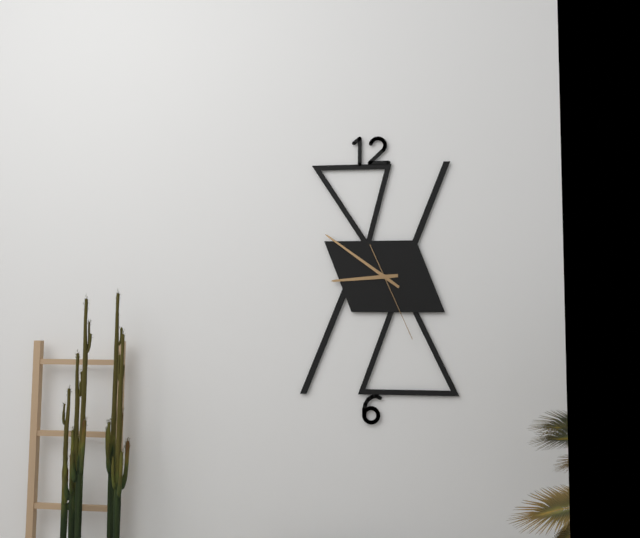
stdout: 8:51:26
